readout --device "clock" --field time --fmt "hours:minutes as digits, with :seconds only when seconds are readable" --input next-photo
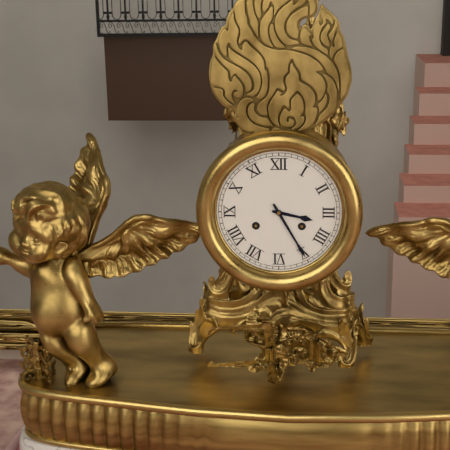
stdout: 3:25
